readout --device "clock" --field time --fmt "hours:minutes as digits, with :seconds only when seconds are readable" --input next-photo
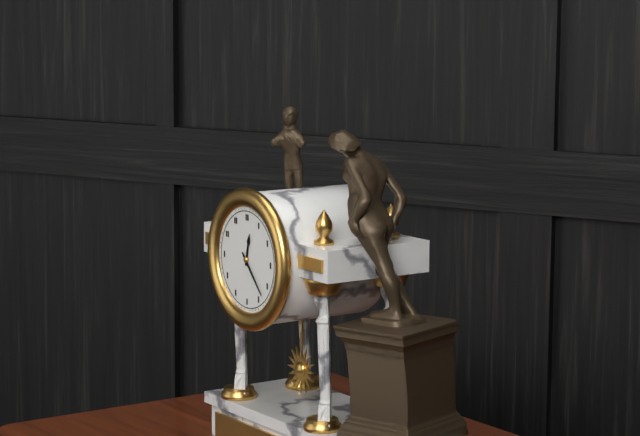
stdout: 12:23
